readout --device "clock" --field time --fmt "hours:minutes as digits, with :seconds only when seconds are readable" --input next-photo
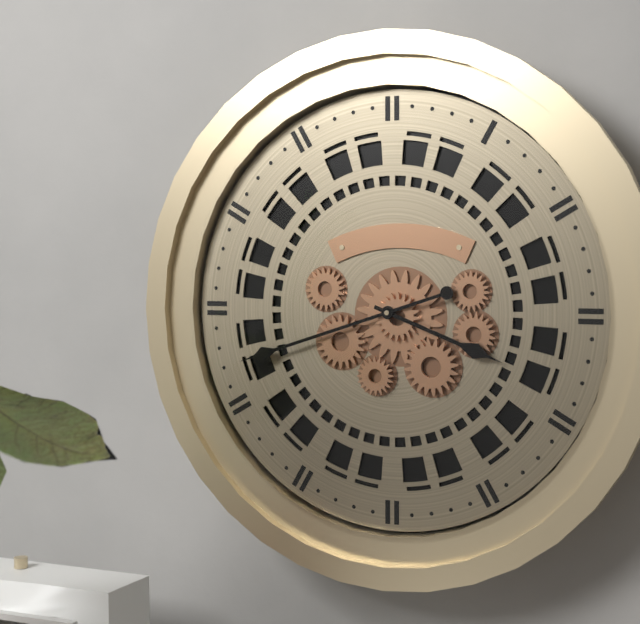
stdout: 3:42
